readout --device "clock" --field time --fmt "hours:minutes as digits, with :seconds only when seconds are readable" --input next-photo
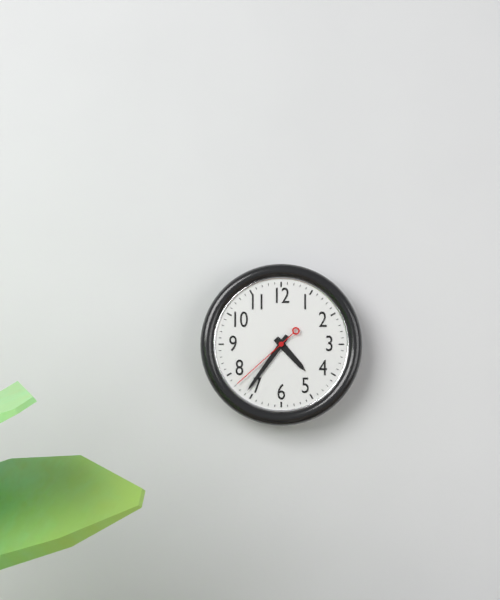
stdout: 4:36:38
